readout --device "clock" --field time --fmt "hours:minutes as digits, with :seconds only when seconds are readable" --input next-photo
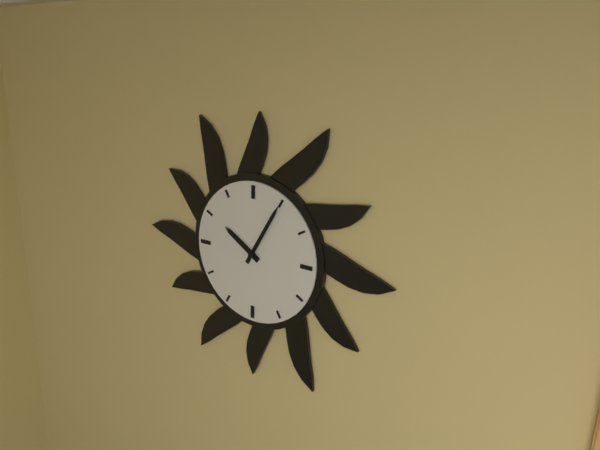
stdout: 10:05
